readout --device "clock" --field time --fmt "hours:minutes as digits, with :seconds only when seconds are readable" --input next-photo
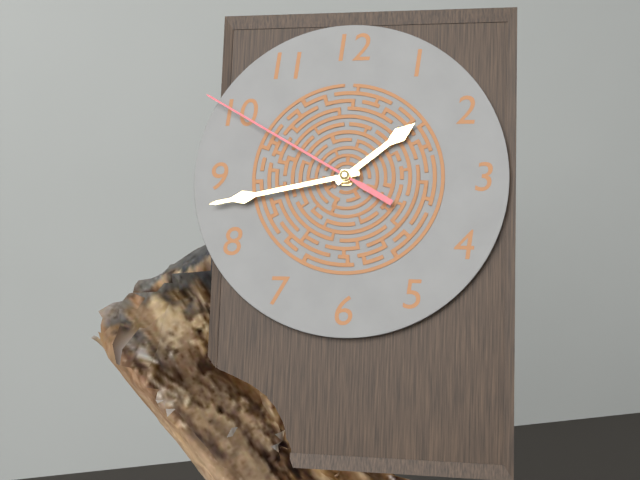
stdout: 1:43:50
